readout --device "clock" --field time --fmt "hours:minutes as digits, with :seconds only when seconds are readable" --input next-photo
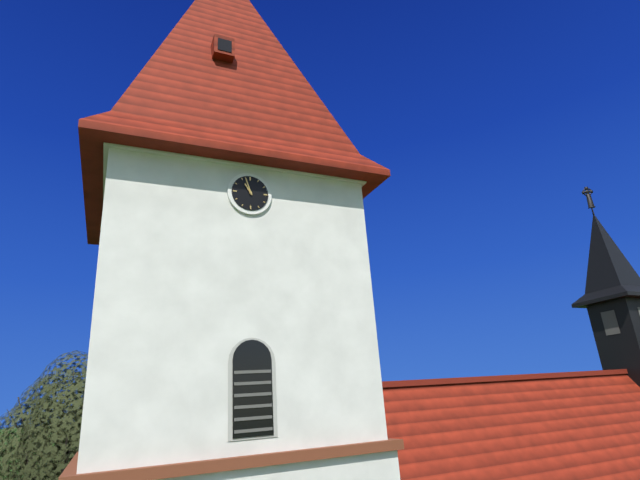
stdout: 10:57
